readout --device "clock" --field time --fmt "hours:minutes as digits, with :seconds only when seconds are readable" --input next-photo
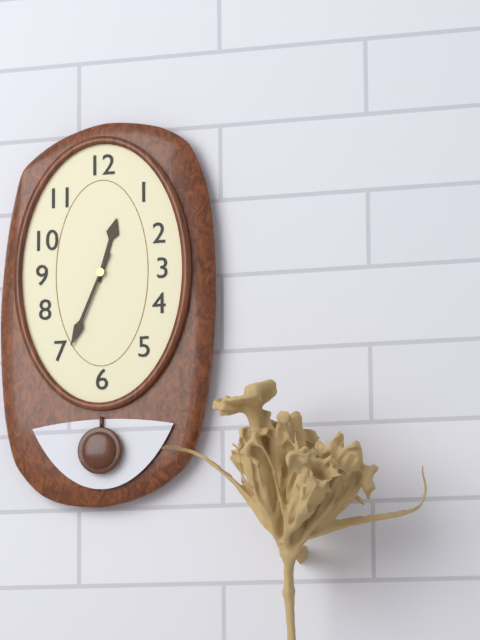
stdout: 12:34
